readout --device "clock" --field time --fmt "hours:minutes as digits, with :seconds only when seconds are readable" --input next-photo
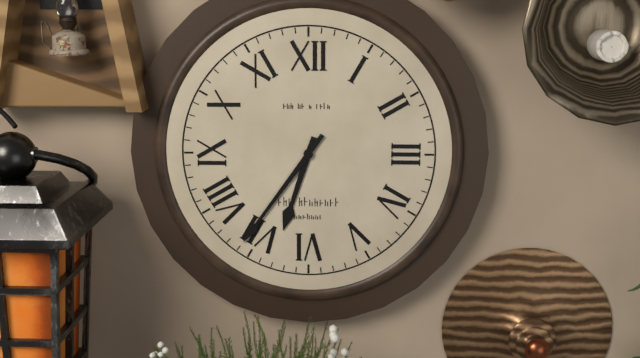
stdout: 6:36
